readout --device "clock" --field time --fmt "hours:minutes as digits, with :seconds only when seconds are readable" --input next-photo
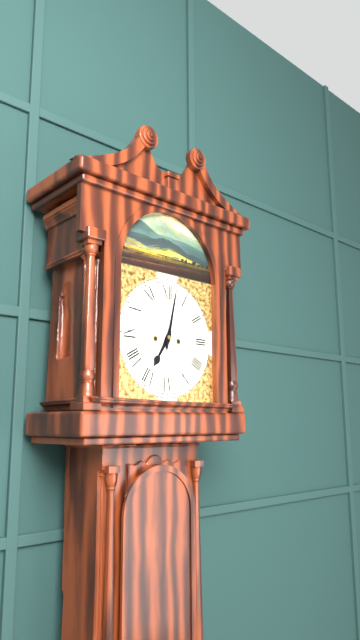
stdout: 7:02
